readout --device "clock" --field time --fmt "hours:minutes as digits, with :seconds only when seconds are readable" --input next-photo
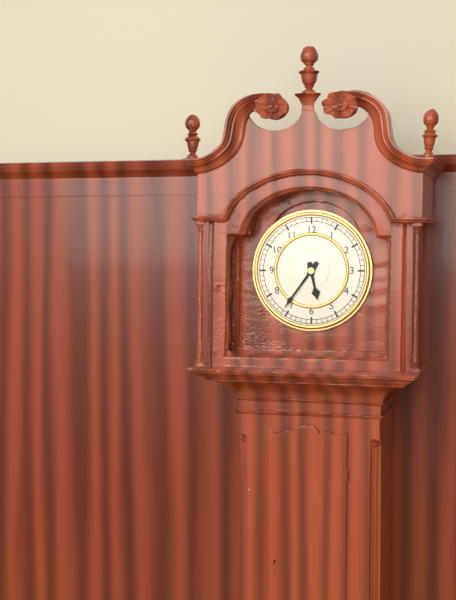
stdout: 5:36
